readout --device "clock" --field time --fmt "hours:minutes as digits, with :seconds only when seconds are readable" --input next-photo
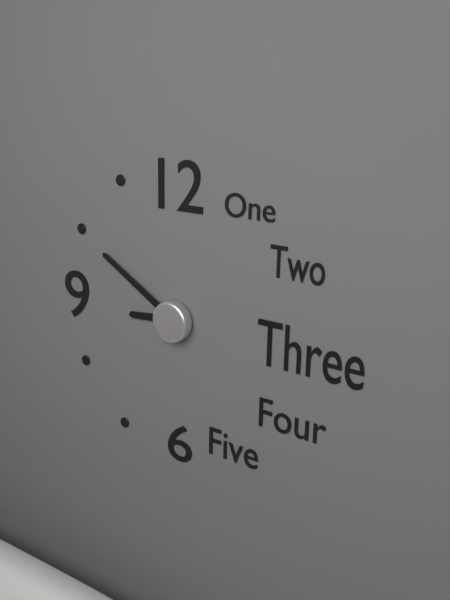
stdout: 8:50
